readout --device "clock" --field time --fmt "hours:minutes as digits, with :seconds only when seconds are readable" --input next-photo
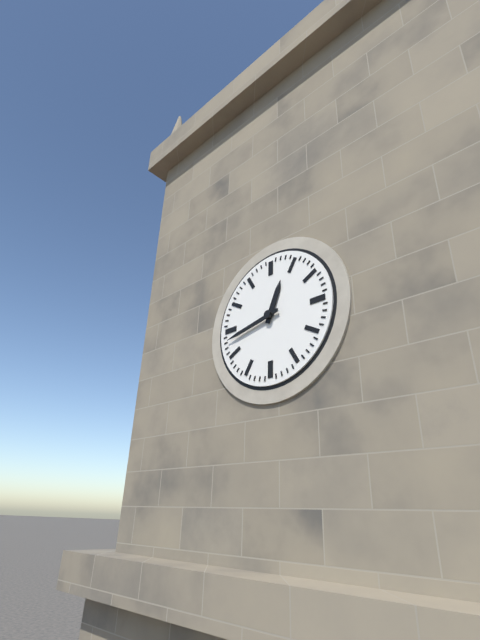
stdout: 12:43
